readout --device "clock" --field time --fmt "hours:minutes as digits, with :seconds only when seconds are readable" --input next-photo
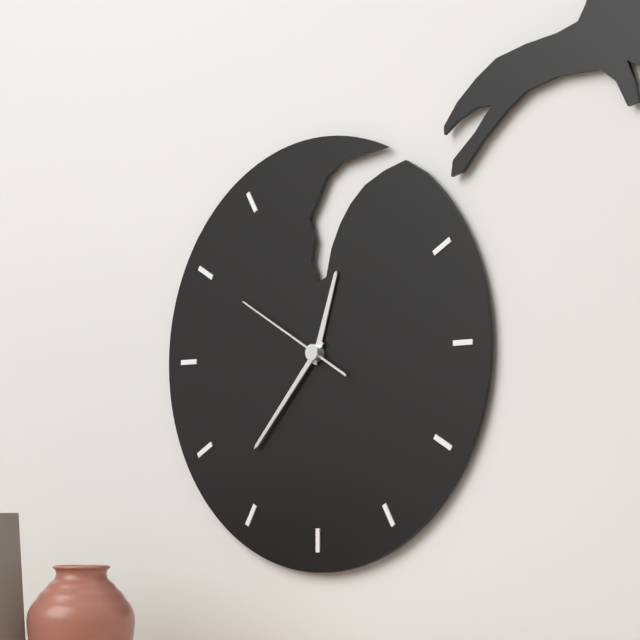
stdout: 12:37:50
